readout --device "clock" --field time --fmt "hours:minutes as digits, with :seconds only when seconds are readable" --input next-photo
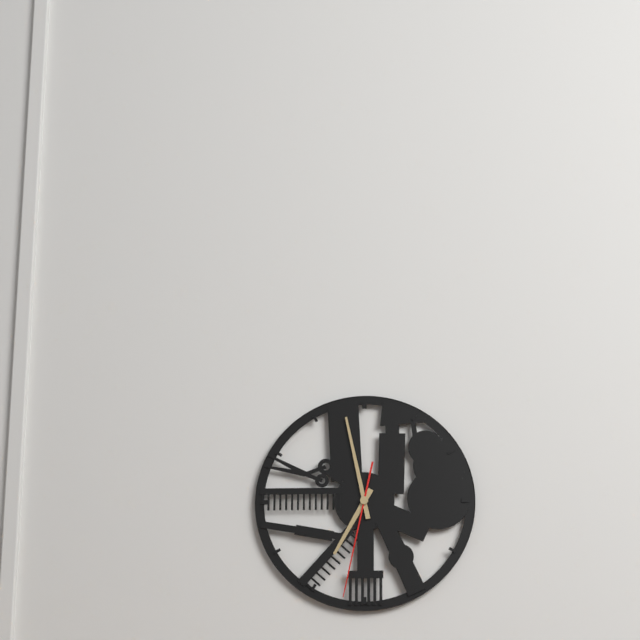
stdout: 6:58:32
